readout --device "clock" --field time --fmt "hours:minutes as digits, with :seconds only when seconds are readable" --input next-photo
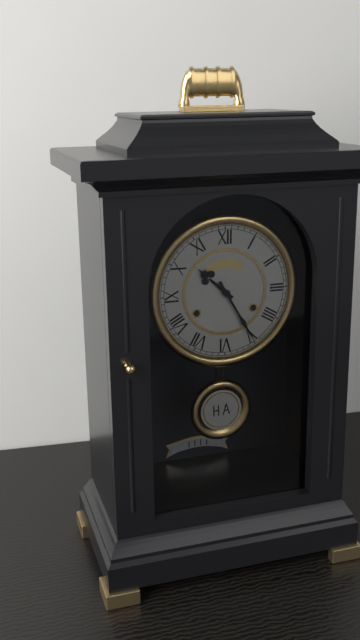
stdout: 10:25
